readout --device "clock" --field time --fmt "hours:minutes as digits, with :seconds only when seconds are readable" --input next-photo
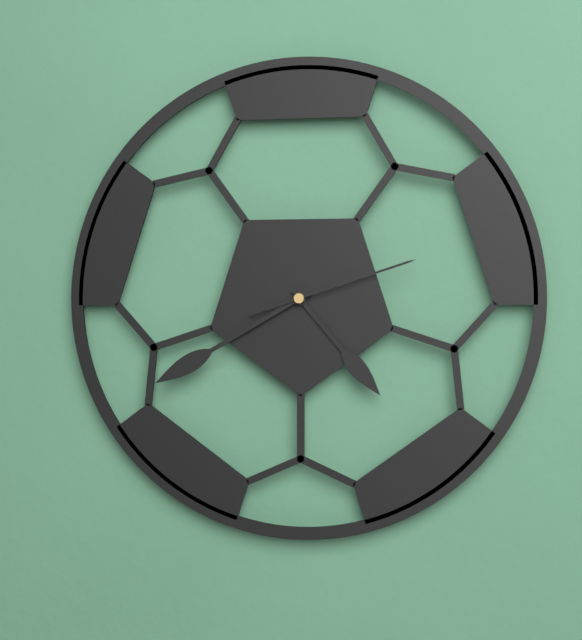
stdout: 4:40:12
